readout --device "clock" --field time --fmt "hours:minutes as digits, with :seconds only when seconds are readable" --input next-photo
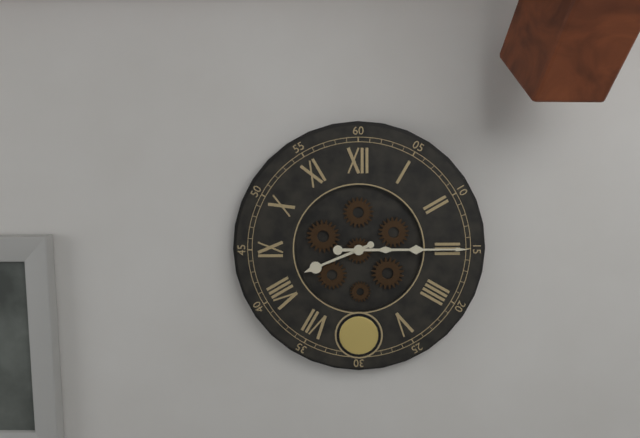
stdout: 8:15
